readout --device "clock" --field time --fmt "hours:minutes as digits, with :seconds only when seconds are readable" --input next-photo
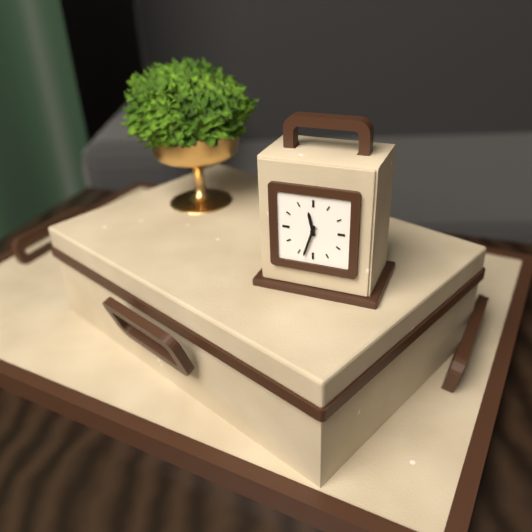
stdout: 11:33
